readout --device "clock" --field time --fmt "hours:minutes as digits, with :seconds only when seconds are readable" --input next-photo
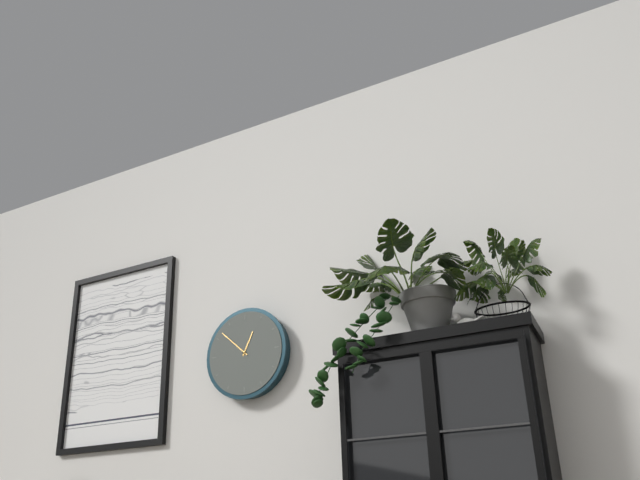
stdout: 12:52
